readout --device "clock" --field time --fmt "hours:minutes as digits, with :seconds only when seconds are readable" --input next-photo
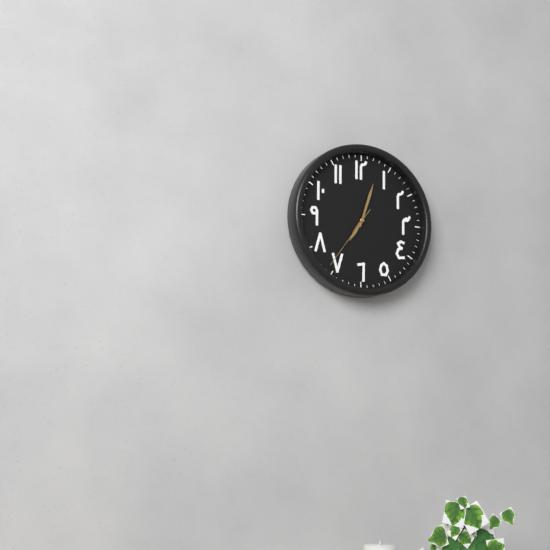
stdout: 7:03:36
